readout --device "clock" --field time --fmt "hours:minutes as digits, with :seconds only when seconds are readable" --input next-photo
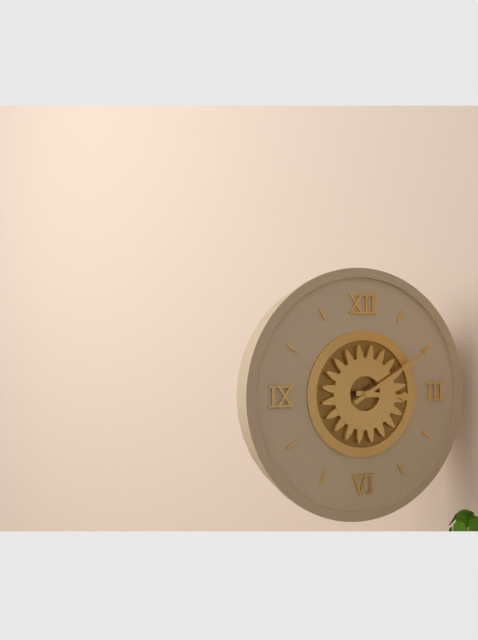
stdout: 3:10
